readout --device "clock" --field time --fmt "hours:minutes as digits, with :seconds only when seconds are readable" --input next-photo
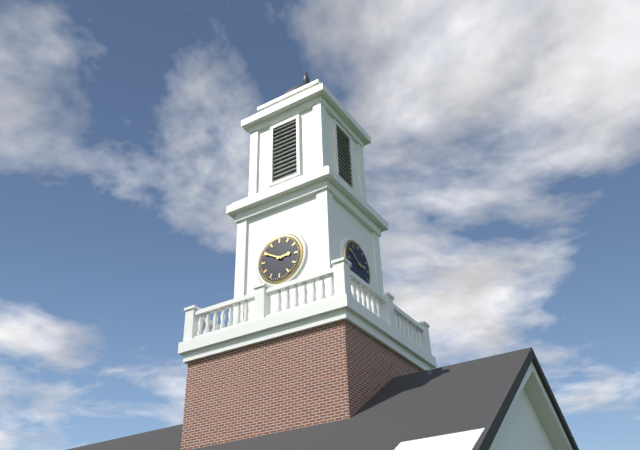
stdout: 2:50
